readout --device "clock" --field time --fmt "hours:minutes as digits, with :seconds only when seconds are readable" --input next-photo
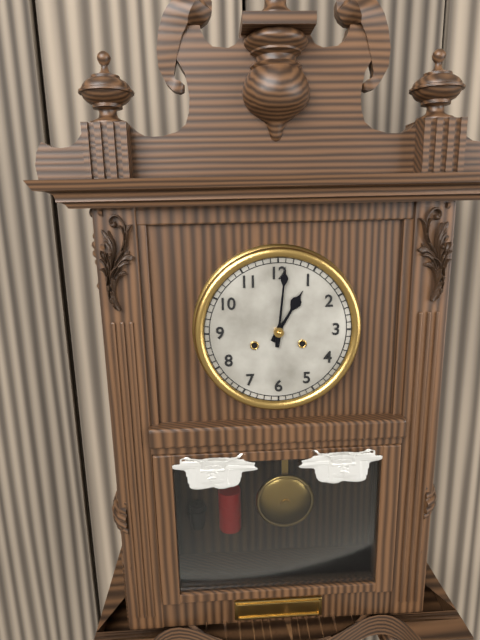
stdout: 1:01
